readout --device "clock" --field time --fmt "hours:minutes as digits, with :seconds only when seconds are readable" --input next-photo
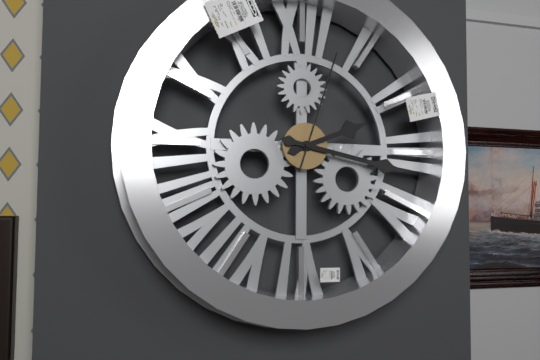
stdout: 2:17:03
